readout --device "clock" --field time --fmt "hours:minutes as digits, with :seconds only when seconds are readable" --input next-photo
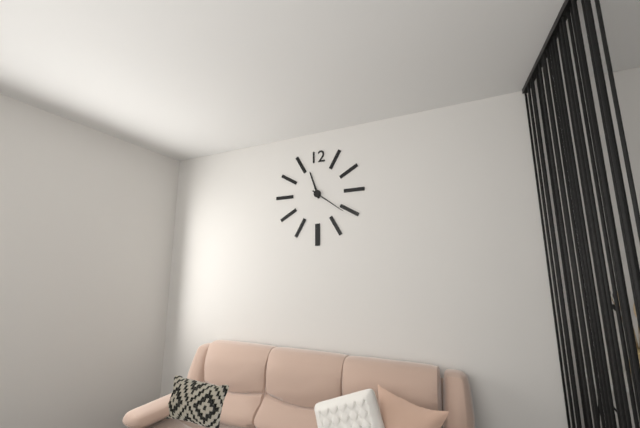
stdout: 11:21
